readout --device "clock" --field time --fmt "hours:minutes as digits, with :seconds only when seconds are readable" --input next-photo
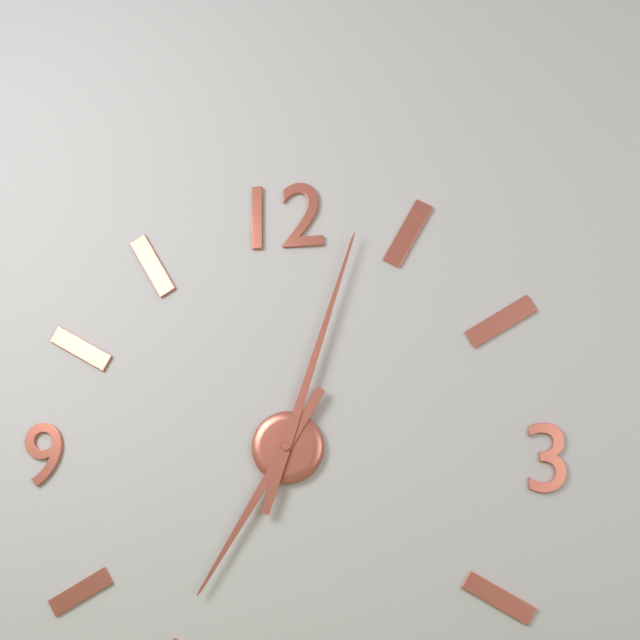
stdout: 7:03
